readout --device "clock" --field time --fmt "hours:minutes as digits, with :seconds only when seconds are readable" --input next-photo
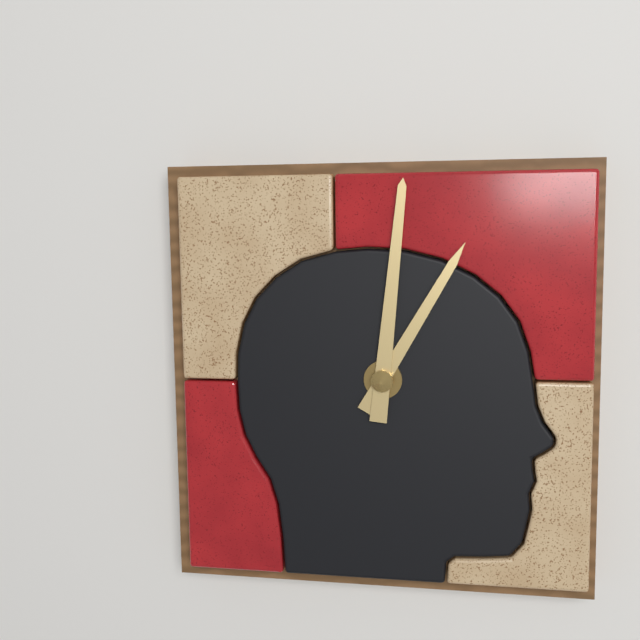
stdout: 1:01
